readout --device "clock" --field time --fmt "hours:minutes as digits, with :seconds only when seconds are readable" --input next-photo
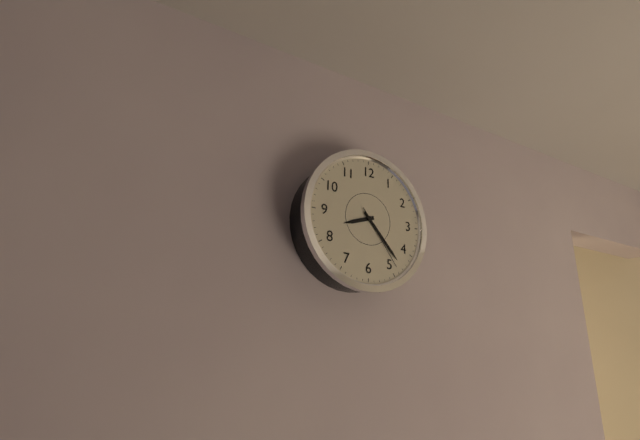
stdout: 8:23:24
